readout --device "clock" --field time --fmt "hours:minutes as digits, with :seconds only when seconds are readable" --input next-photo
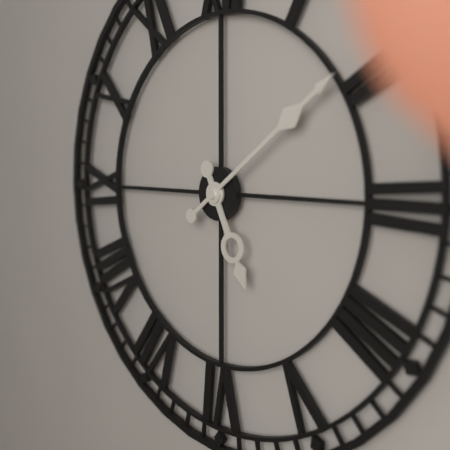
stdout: 5:09
